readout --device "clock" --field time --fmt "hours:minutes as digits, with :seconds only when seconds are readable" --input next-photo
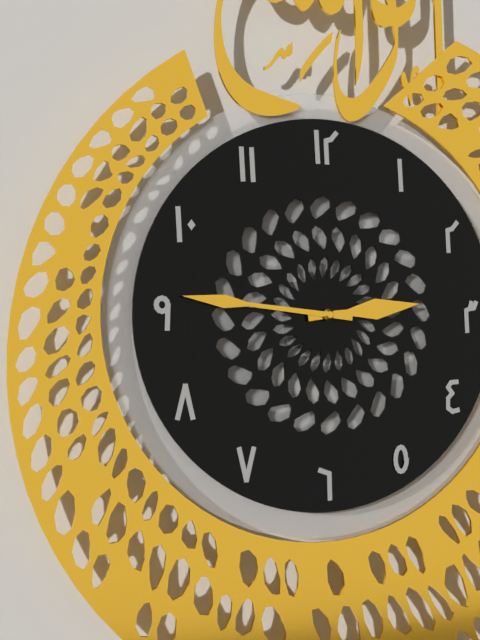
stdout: 2:46
